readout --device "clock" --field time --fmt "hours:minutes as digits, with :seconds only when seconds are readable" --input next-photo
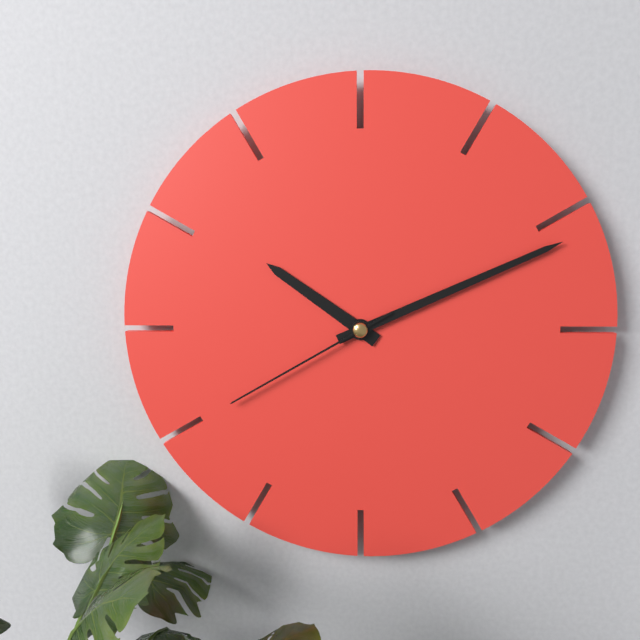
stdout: 10:11:40
